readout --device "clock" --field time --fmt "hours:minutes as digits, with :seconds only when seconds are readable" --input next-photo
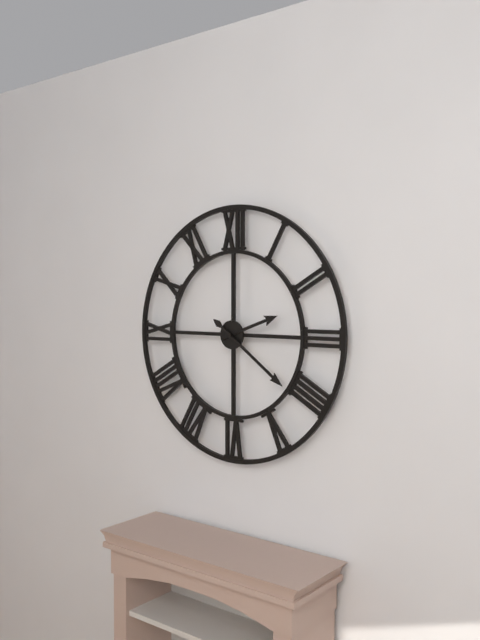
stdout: 2:21
